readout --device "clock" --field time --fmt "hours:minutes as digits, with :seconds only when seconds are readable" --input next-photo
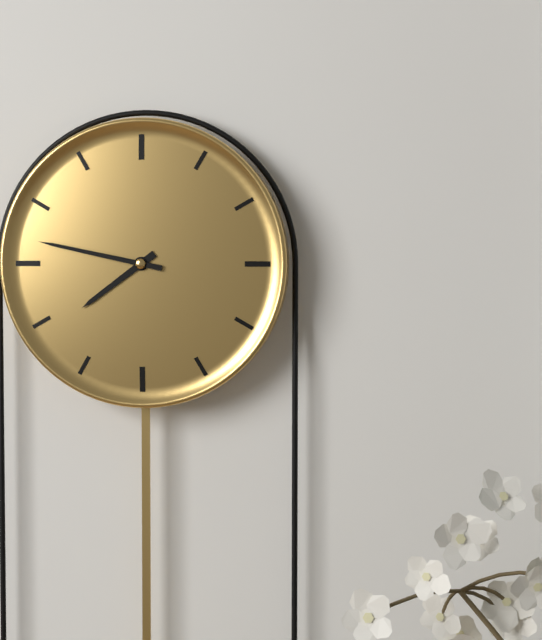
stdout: 7:47
